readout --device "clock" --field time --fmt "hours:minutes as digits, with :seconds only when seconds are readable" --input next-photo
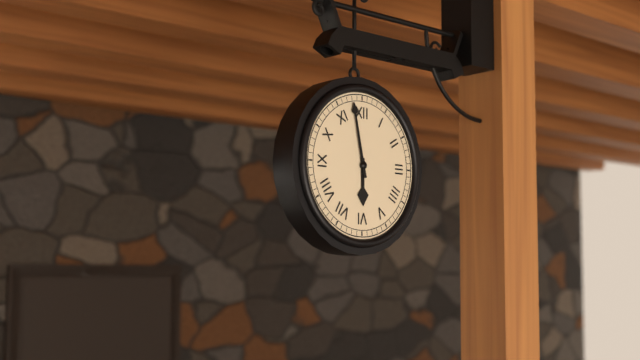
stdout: 5:58
